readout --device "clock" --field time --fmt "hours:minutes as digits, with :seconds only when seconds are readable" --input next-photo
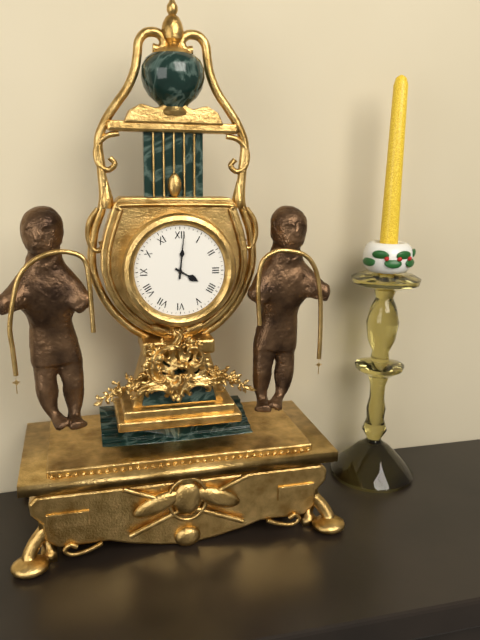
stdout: 4:01
